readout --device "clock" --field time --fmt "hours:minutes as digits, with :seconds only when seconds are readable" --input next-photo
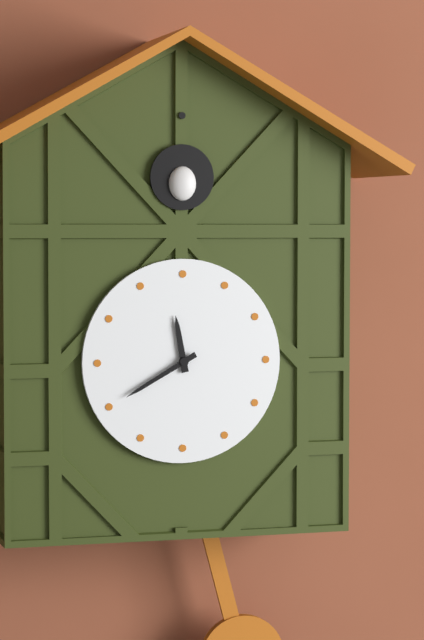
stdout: 11:40
